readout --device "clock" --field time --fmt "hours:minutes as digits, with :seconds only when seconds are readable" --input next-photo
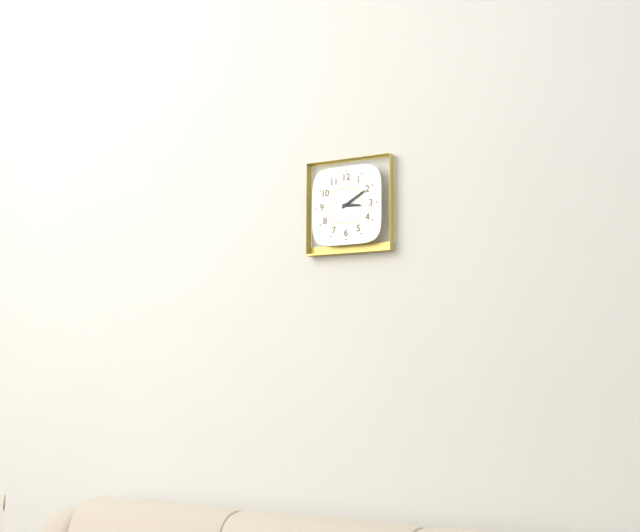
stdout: 3:10
